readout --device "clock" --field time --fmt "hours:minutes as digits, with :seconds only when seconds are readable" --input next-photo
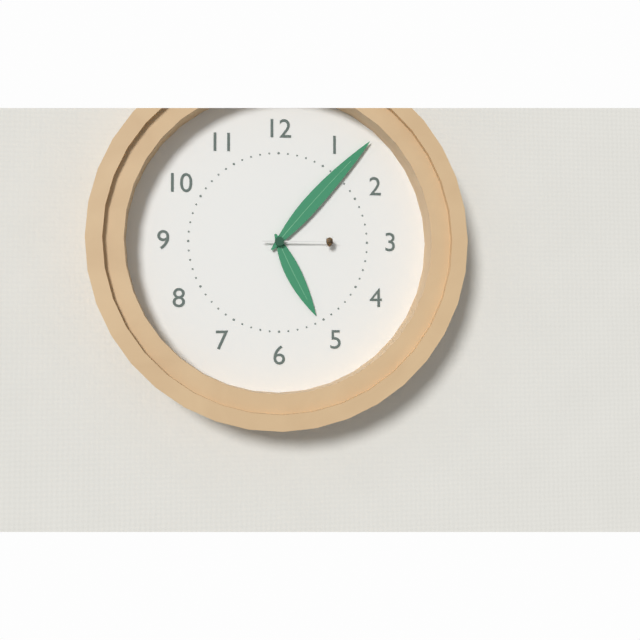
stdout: 5:07:15
